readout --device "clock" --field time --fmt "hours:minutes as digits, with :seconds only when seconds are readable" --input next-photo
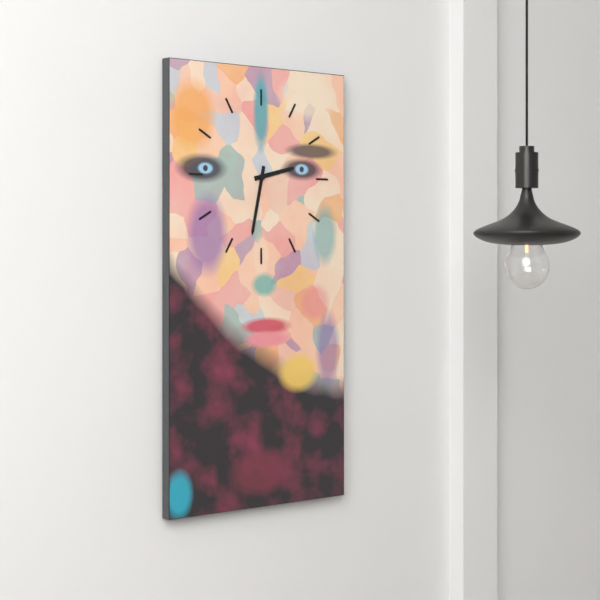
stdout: 2:32
